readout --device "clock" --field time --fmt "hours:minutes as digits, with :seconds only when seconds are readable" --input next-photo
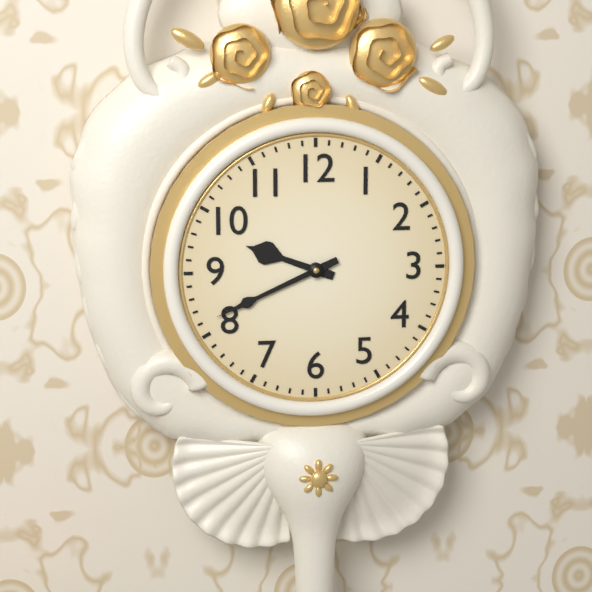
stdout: 9:41
